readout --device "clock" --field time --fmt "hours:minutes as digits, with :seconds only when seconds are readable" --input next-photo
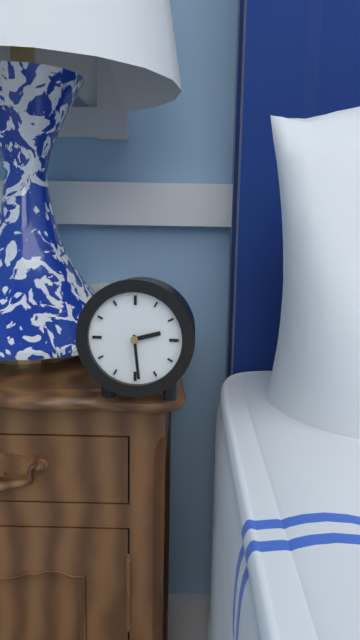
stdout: 2:29
